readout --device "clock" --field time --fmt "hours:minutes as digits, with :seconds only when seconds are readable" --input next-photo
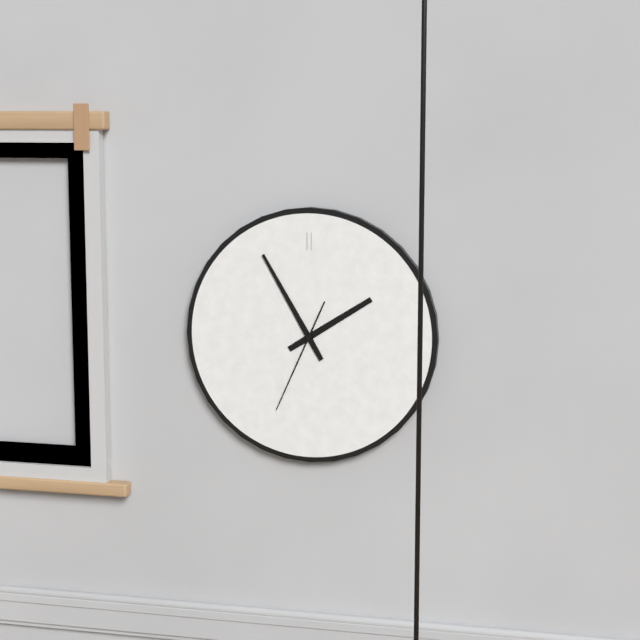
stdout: 1:55:34
